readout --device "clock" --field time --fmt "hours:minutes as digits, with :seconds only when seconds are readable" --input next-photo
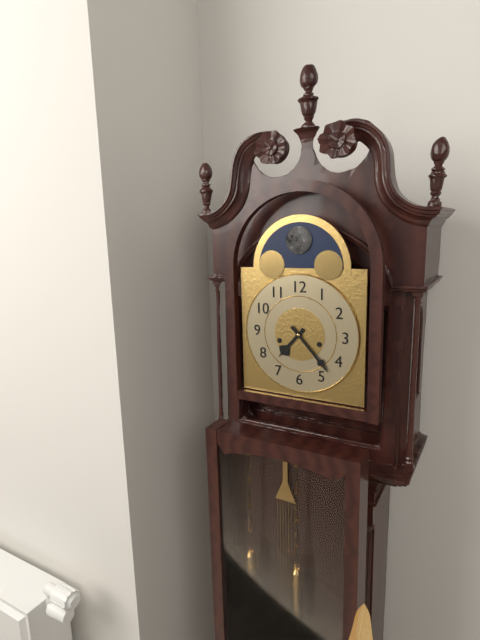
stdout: 7:23
